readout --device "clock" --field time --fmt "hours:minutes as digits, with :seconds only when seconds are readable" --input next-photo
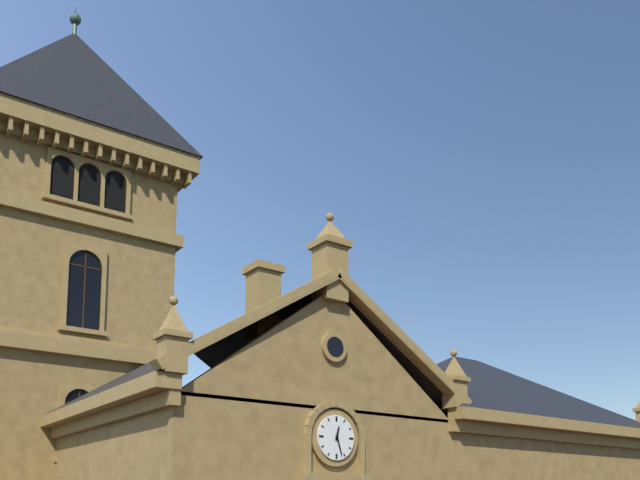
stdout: 12:27
